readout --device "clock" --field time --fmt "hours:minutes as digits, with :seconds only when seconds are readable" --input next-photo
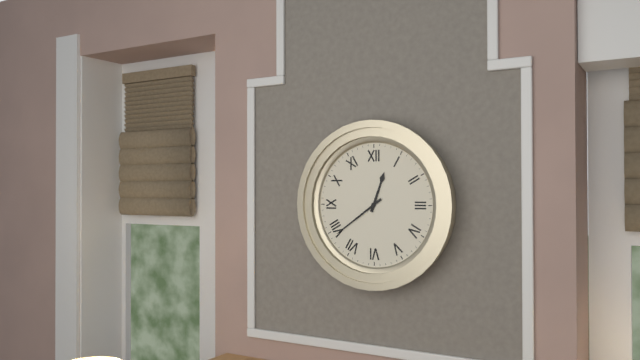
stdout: 12:39
